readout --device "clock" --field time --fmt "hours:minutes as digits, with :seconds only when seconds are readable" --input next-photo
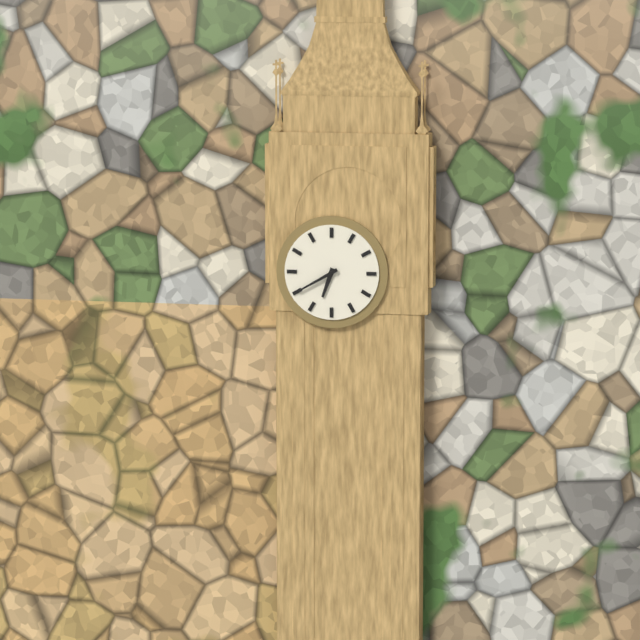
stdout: 6:40
